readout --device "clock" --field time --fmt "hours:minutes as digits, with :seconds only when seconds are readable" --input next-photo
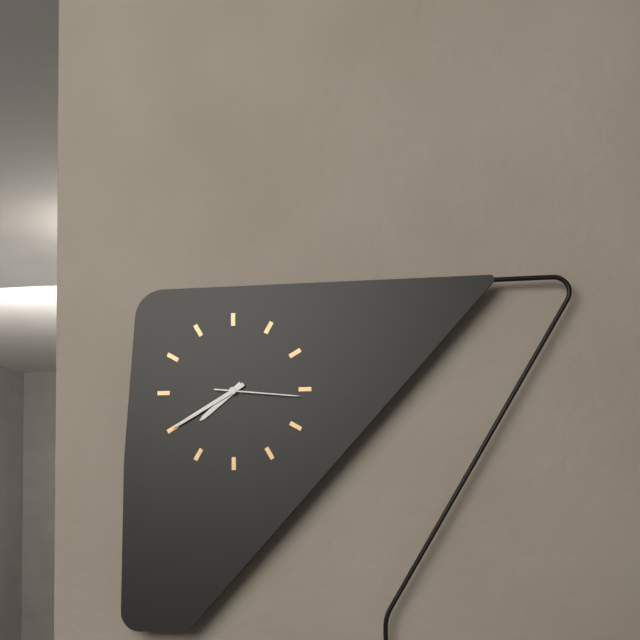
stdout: 7:40:16
